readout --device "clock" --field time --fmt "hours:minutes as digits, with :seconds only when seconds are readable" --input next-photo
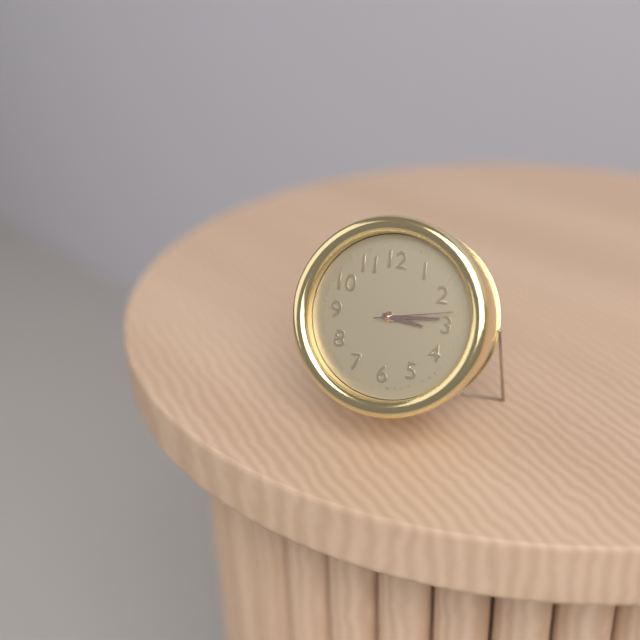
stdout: 3:14:13
